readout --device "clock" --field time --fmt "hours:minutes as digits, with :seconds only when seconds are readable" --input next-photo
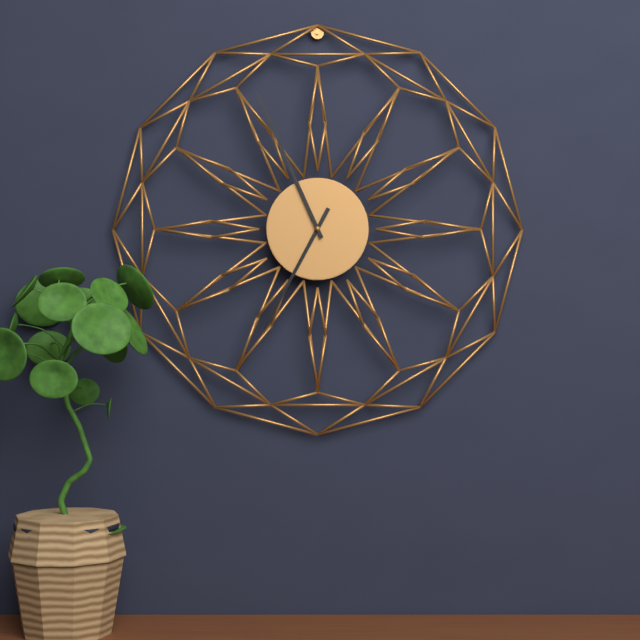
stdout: 6:56
